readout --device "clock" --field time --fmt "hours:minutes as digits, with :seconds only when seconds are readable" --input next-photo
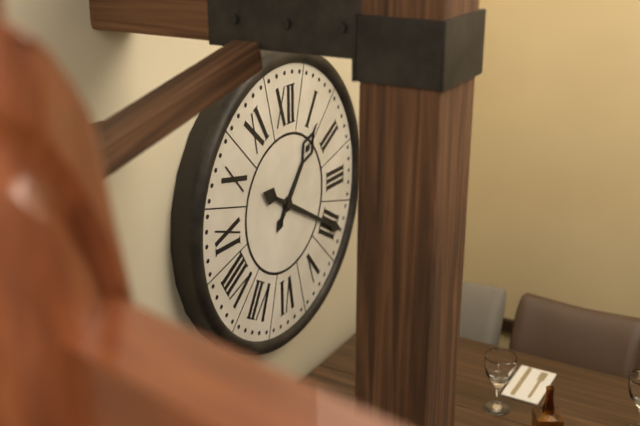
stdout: 1:20
